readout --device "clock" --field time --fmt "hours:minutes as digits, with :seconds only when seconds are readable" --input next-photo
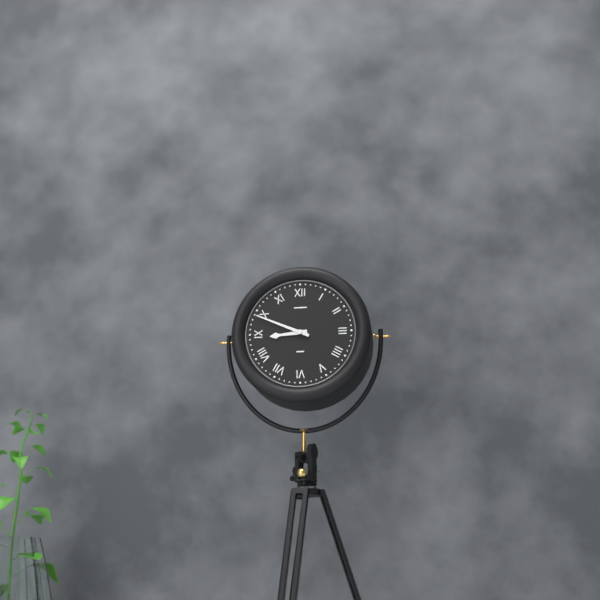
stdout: 8:49
